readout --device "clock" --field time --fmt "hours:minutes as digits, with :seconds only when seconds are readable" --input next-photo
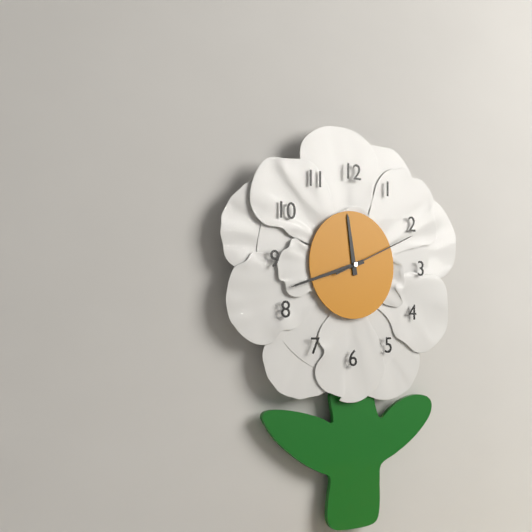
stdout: 11:42:11
